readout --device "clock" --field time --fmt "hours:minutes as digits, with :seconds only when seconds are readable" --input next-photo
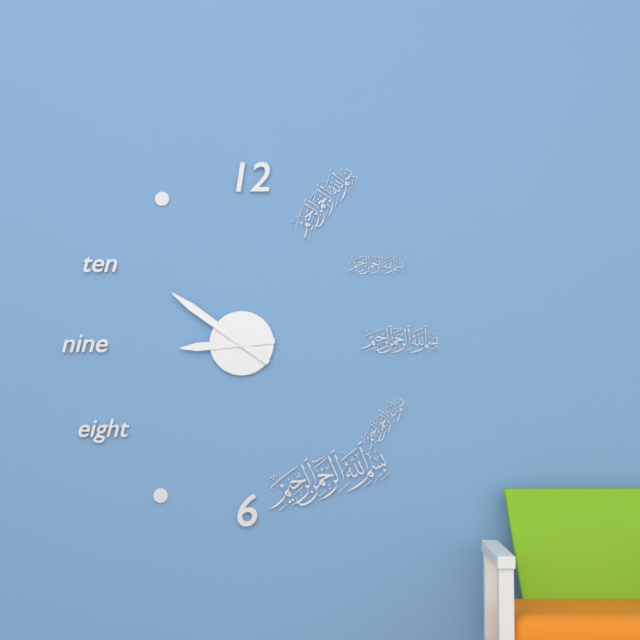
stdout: 8:51
